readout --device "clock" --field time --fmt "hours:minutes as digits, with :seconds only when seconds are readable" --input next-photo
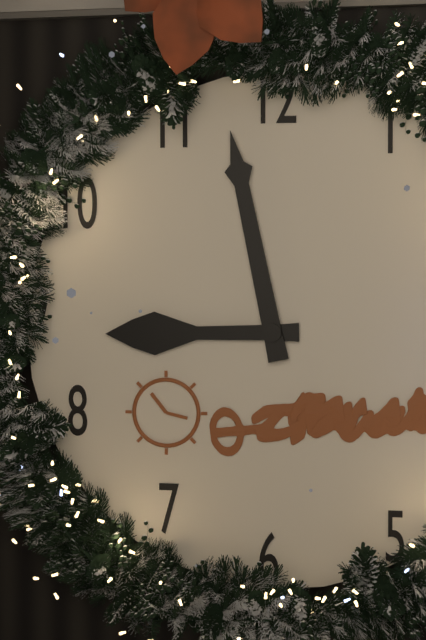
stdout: 8:58
